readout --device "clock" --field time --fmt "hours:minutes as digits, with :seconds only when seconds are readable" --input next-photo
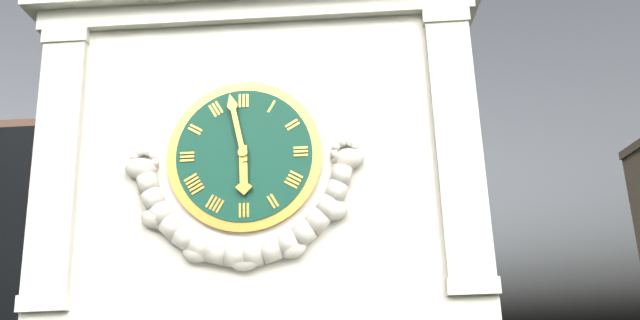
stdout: 5:58
